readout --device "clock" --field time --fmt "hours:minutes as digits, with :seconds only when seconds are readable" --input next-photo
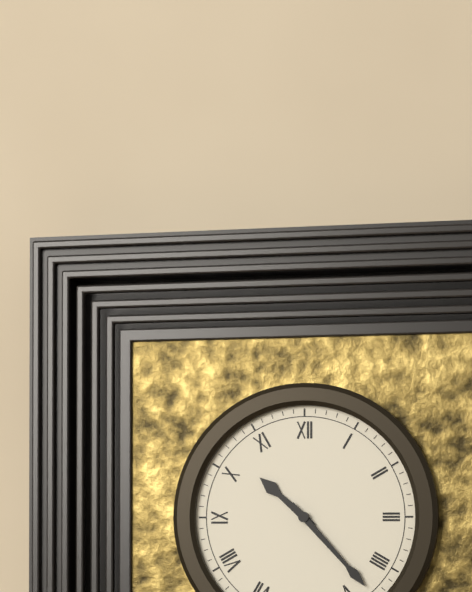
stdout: 10:23
